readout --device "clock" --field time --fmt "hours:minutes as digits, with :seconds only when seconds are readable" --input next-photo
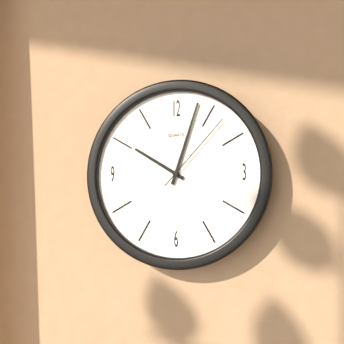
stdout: 10:03:07
